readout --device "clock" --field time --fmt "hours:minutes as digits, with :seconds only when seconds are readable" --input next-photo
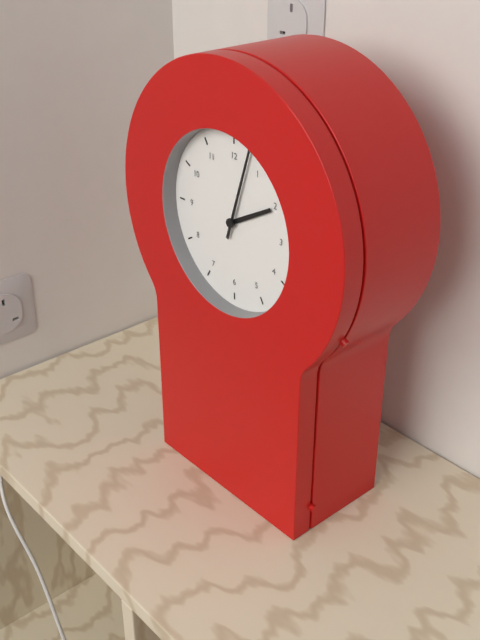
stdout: 2:03
